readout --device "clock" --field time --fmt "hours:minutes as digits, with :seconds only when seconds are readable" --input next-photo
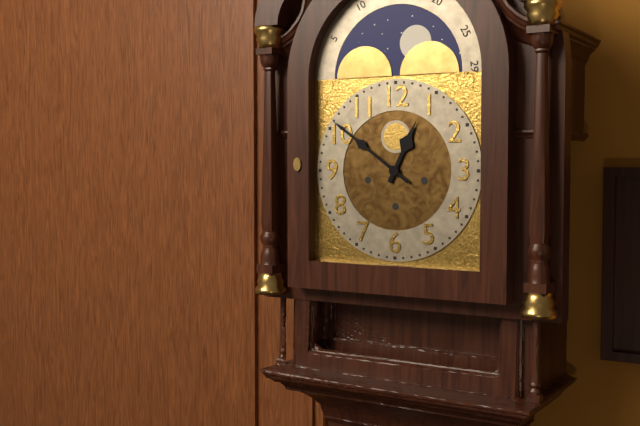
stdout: 12:51
